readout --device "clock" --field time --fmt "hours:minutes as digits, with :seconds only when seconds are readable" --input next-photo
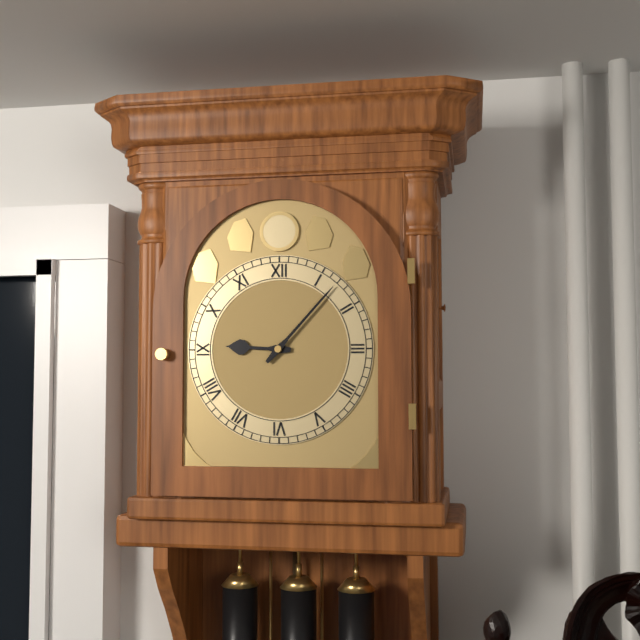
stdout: 9:07
